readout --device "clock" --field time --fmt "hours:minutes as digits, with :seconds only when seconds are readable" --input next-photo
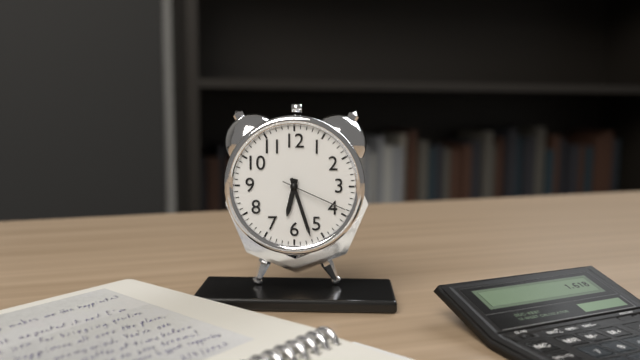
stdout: 6:27:19
